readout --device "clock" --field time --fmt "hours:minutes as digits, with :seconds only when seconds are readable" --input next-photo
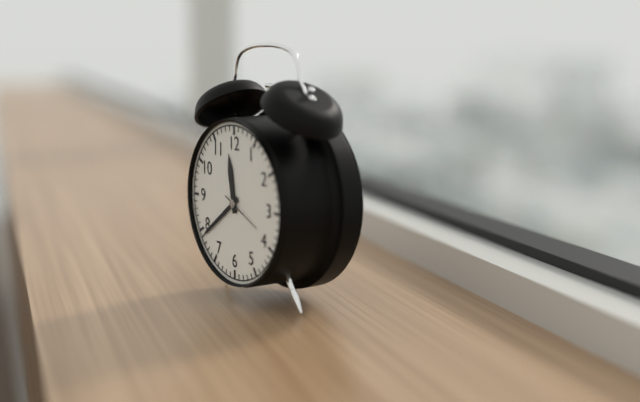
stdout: 11:39
